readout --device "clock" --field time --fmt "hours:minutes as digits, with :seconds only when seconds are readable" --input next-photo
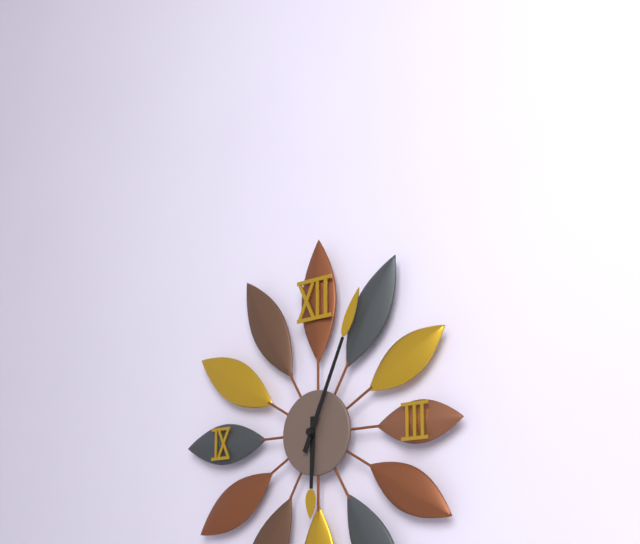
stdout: 6:04
